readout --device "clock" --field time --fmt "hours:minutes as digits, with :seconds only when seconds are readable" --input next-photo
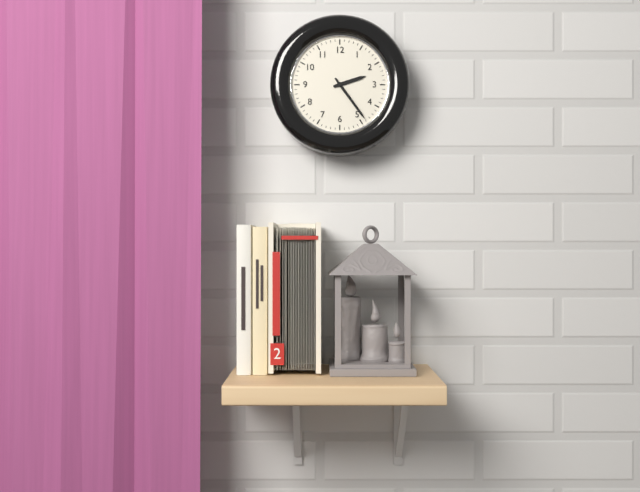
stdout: 2:24
